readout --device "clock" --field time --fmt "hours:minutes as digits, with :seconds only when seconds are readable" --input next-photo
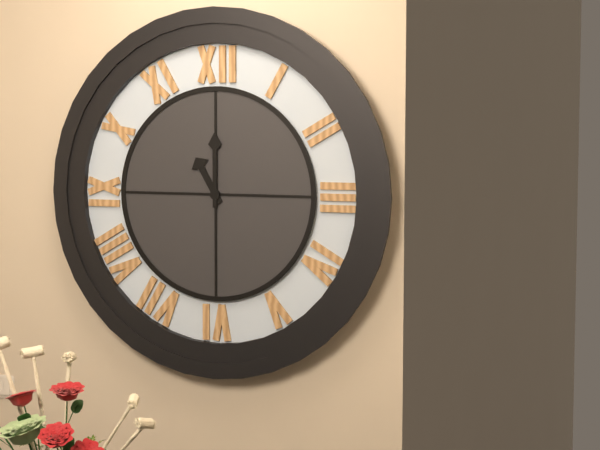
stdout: 11:00
